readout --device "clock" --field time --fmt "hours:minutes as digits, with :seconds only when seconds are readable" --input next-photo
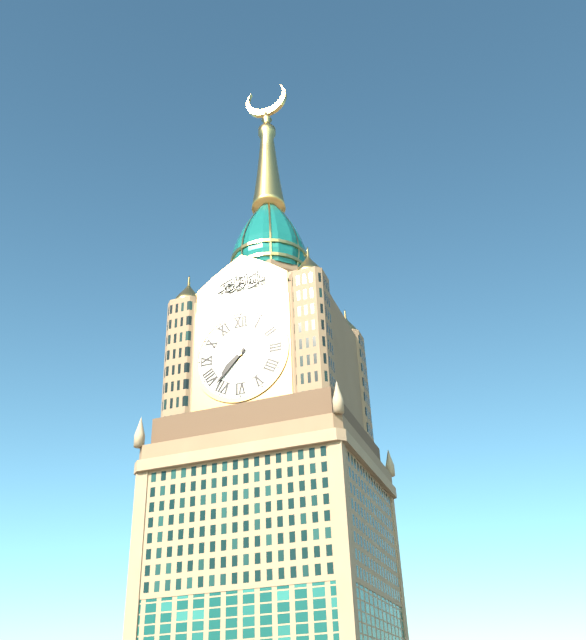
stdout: 7:37
